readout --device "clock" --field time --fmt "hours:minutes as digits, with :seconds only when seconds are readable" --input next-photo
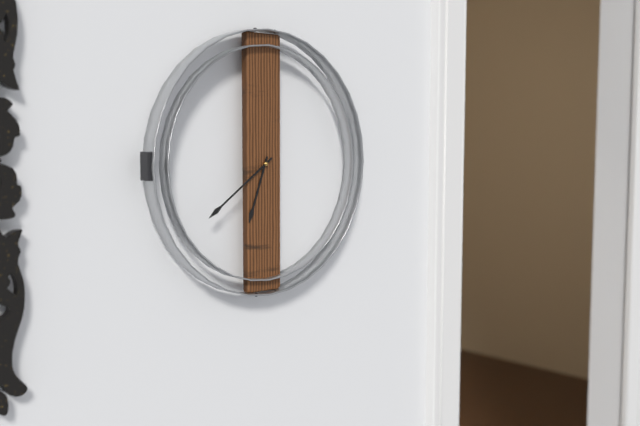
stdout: 6:39
